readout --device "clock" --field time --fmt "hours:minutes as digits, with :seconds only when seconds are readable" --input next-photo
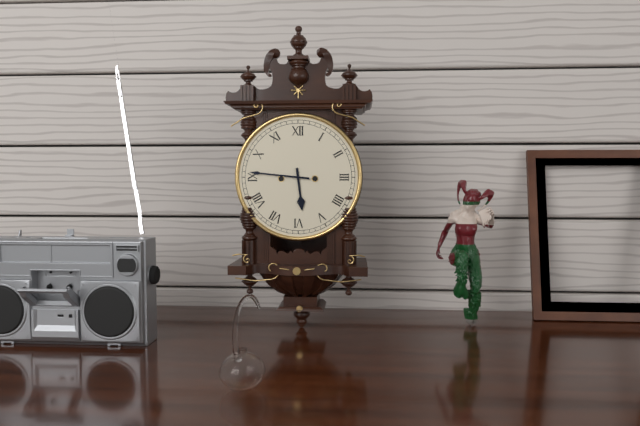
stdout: 5:46
